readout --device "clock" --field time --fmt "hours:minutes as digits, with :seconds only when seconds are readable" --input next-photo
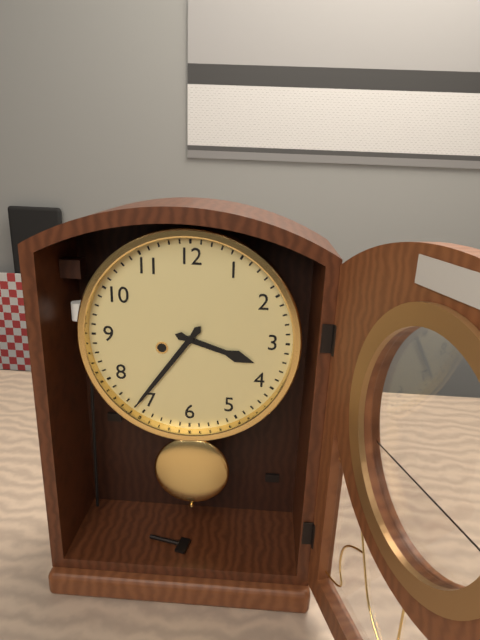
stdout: 3:36
